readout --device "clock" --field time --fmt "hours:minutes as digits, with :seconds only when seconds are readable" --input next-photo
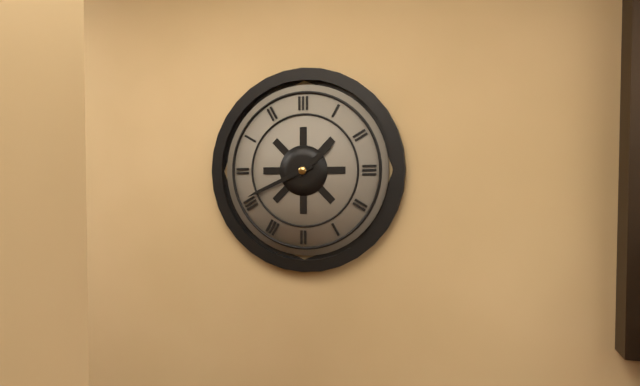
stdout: 1:41
